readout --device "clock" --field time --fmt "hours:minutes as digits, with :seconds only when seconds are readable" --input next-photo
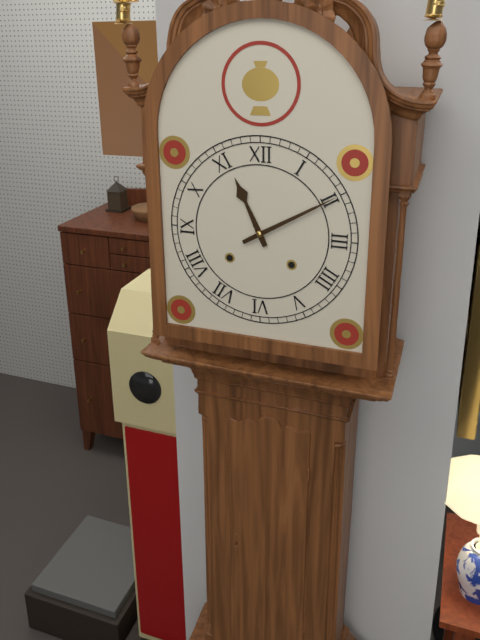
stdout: 11:10
